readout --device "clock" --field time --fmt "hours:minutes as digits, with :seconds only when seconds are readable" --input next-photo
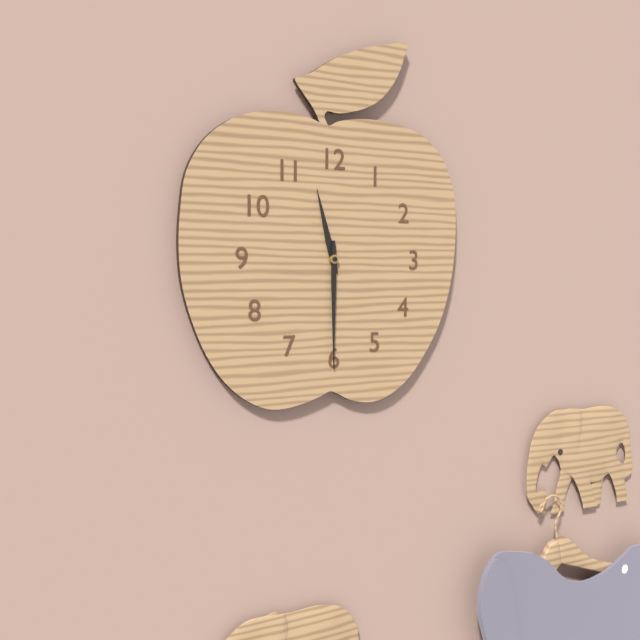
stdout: 11:30
